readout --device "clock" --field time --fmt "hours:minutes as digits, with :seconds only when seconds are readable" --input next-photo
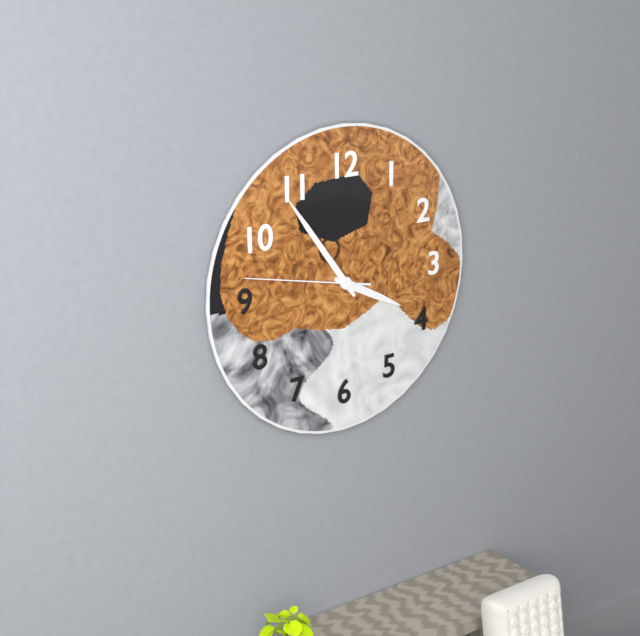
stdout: 3:54:47
